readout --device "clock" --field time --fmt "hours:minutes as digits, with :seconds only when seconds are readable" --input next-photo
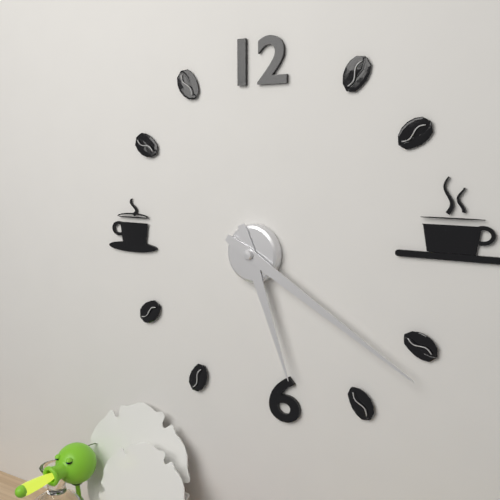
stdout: 5:20
